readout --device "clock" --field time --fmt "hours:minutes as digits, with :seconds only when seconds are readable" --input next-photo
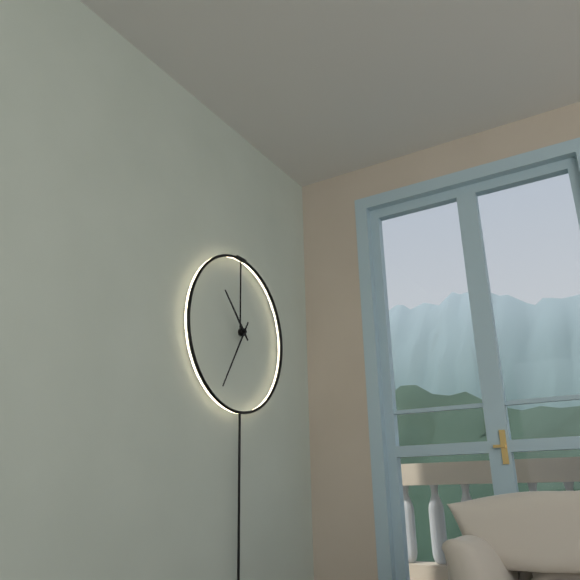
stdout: 10:35
